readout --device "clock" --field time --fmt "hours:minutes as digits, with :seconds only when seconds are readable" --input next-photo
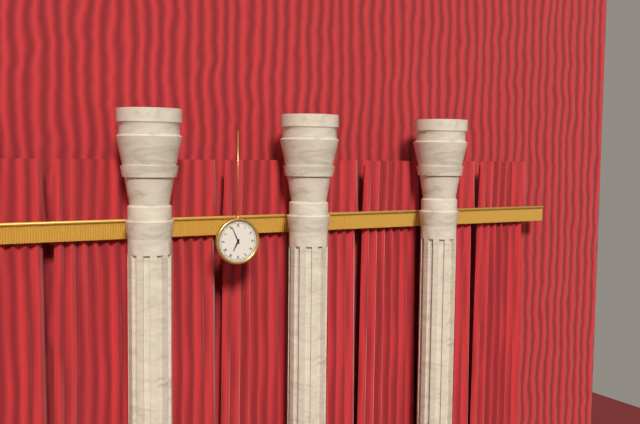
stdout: 6:56
